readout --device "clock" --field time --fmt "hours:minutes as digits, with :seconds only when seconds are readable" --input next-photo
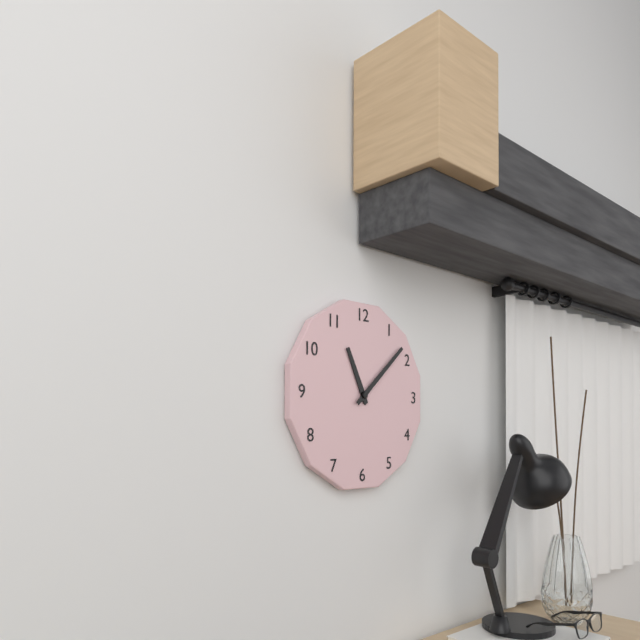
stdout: 11:08
